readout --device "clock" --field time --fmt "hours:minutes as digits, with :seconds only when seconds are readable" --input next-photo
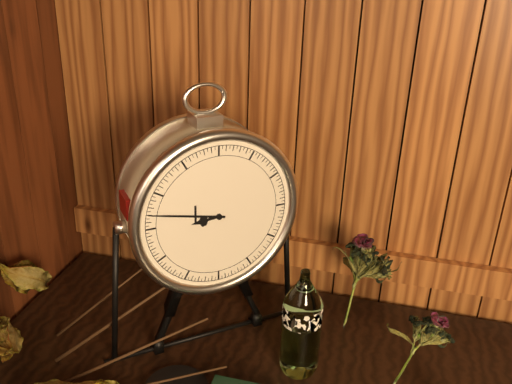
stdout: 8:47
